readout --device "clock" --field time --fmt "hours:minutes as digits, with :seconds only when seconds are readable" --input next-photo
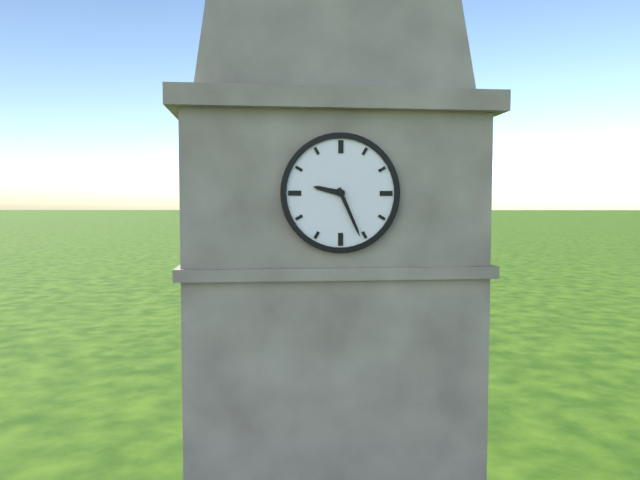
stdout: 9:26
